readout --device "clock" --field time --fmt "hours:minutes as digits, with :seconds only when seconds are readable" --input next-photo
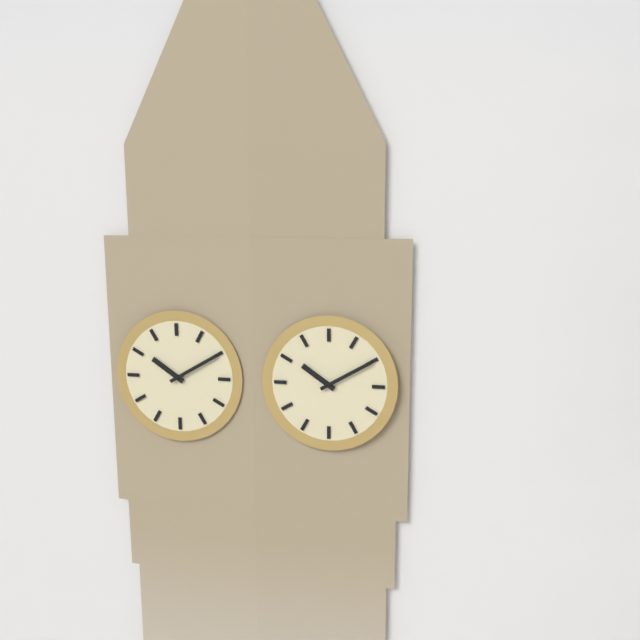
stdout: 10:10
